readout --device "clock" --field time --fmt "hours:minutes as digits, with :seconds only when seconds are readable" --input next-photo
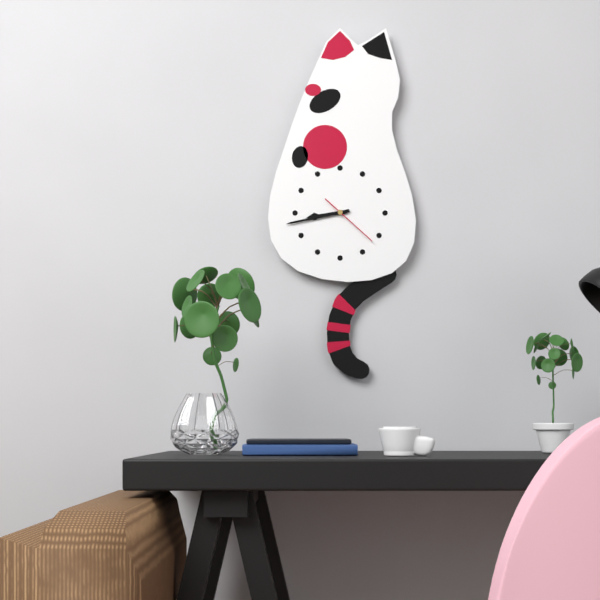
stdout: 8:43:22
